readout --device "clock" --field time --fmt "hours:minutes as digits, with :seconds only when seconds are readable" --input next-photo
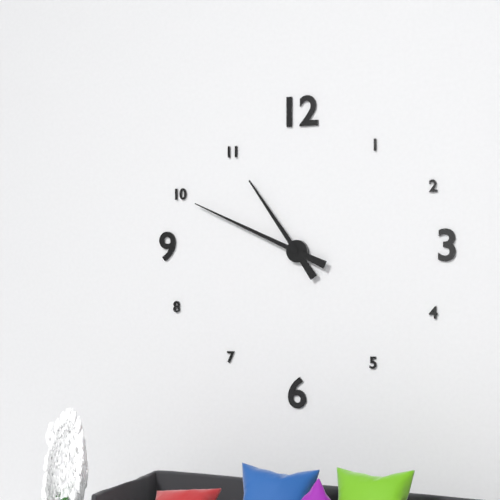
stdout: 10:49
